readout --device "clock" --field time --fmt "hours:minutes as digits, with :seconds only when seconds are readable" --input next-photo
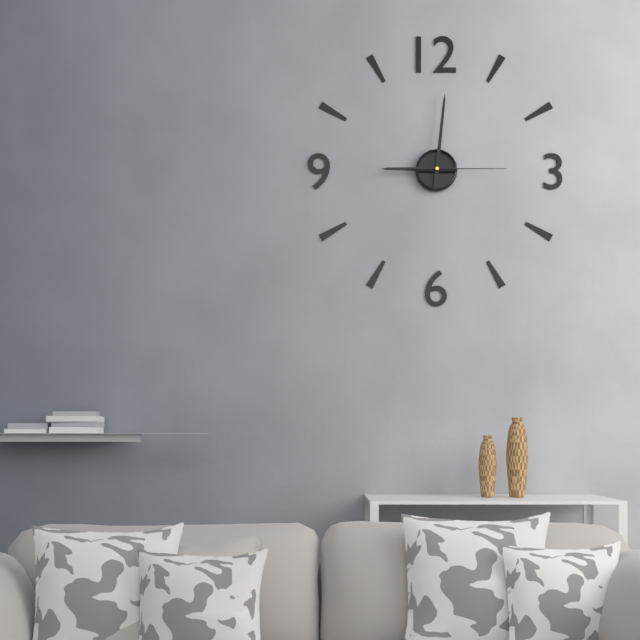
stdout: 9:01:15
